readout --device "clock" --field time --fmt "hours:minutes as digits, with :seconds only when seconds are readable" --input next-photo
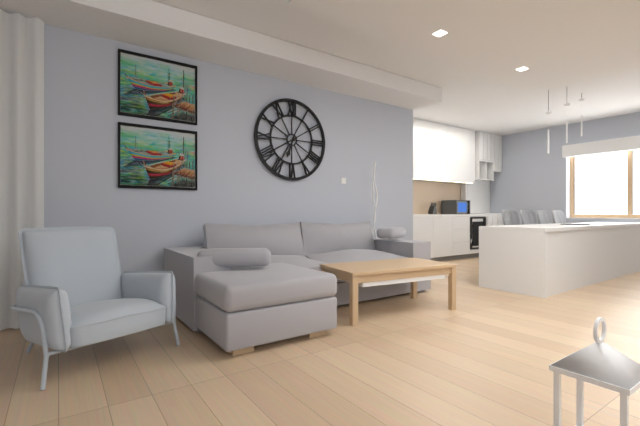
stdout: 6:40
